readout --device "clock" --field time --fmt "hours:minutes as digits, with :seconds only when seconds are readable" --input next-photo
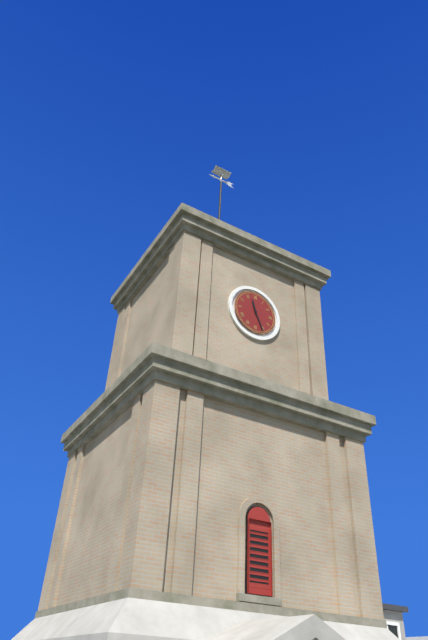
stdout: 11:26
